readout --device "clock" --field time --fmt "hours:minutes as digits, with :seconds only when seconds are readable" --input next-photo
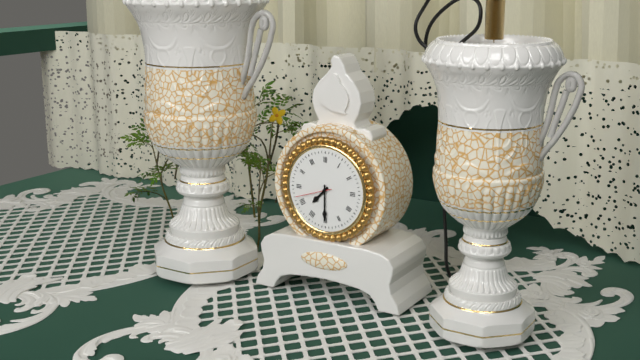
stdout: 7:30
